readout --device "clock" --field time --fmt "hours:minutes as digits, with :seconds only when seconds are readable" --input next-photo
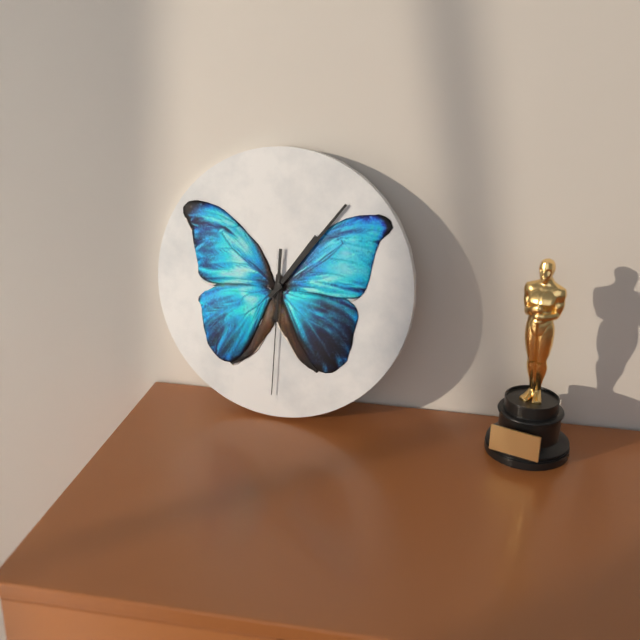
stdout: 1:06:30
